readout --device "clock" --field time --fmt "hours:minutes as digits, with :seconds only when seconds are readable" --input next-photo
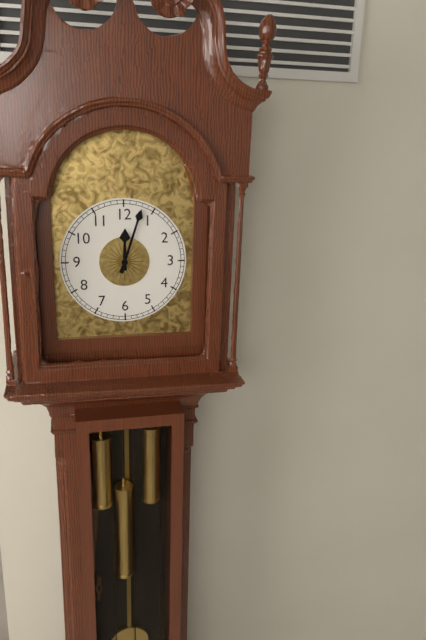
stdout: 12:03
